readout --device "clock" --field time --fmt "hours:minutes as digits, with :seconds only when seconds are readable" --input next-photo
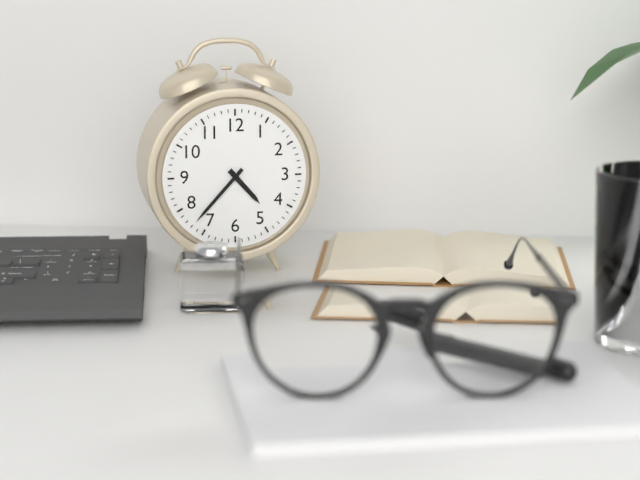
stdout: 4:37
